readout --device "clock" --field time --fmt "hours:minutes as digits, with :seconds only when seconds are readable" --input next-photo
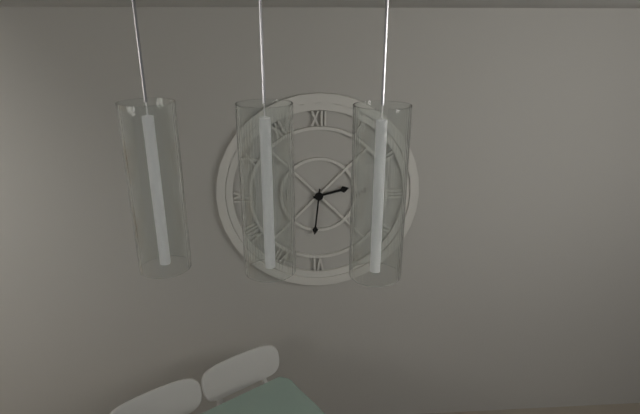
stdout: 2:31
